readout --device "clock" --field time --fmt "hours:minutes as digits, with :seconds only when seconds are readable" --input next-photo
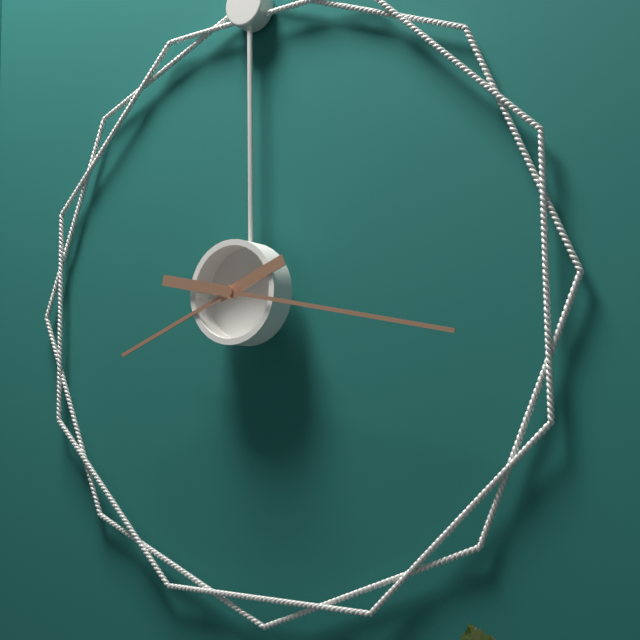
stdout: 8:17
